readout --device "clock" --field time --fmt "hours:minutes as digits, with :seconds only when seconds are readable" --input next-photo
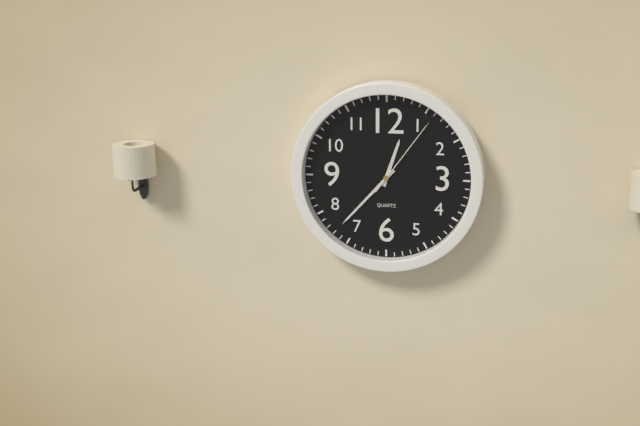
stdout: 12:37:06
